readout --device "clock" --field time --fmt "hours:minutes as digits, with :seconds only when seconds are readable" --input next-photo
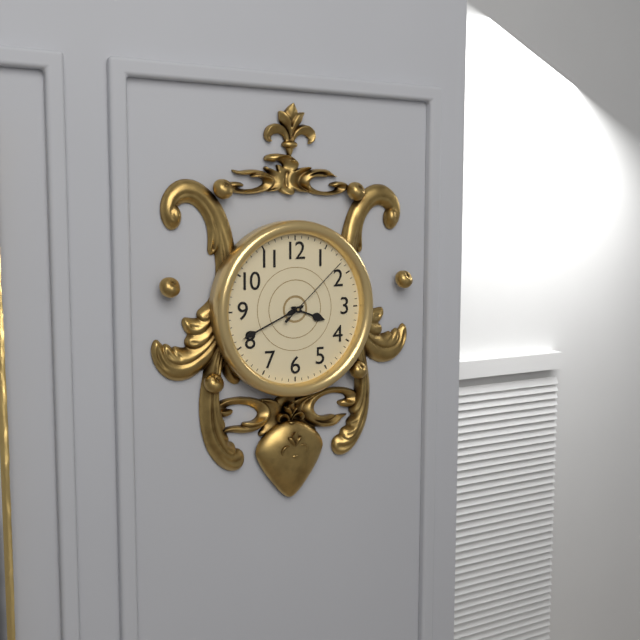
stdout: 3:41:08
